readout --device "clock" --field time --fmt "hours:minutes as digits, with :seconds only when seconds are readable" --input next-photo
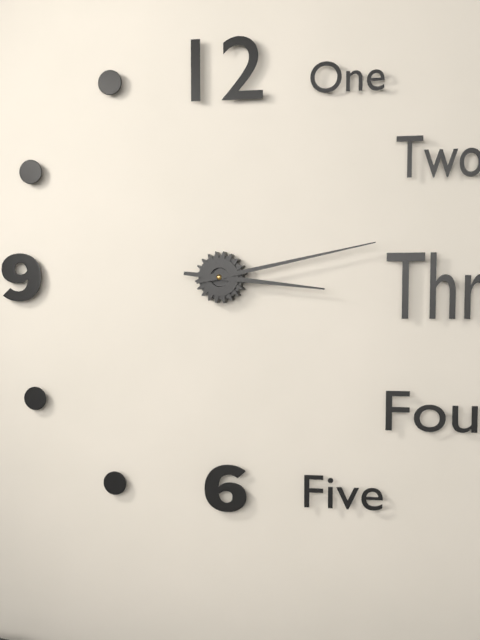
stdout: 3:13
